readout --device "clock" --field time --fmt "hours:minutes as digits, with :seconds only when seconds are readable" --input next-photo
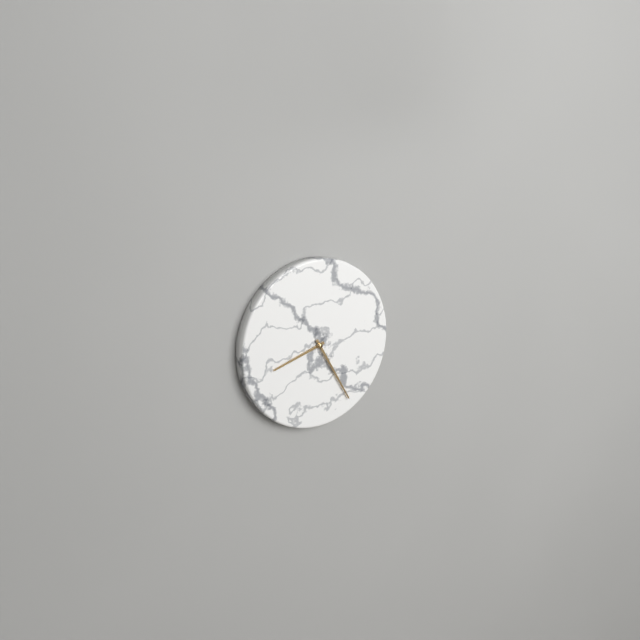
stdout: 8:25
